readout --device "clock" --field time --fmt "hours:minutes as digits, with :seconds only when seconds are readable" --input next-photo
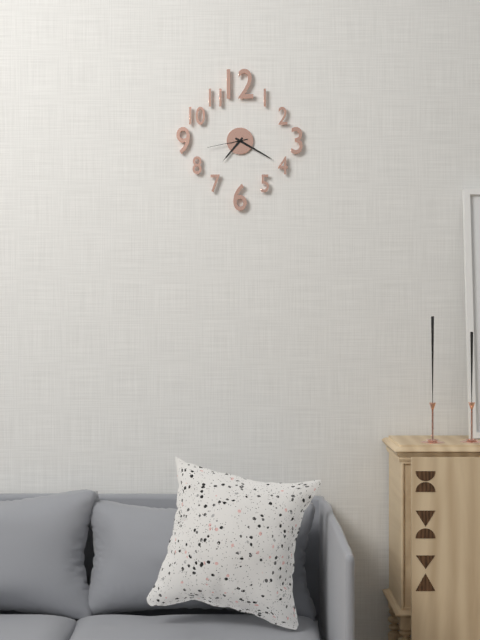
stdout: 7:20
